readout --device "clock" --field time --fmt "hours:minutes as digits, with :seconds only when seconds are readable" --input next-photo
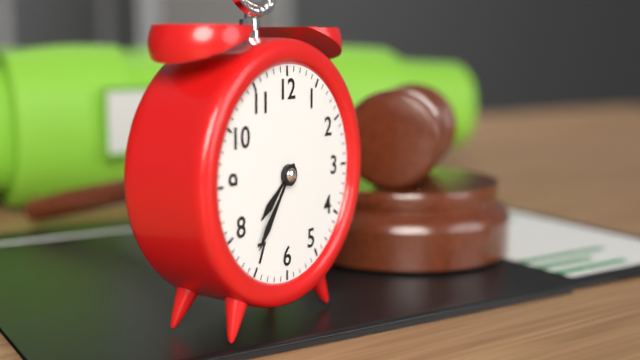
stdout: 7:36
